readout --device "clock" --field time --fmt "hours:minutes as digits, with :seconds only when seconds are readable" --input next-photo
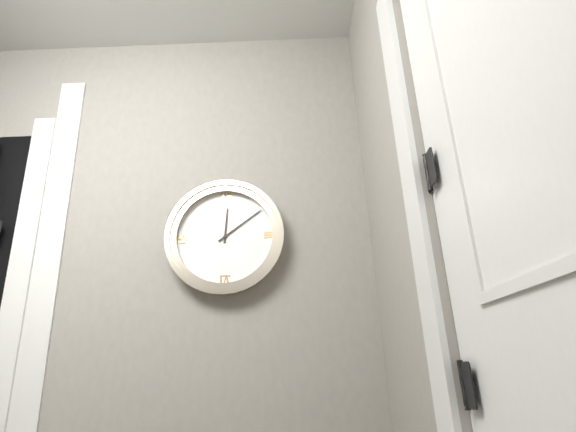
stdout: 12:09
